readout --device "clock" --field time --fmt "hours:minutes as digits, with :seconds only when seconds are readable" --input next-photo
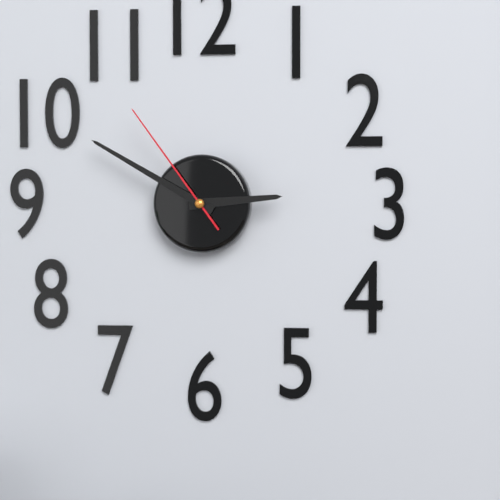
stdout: 2:50:54
